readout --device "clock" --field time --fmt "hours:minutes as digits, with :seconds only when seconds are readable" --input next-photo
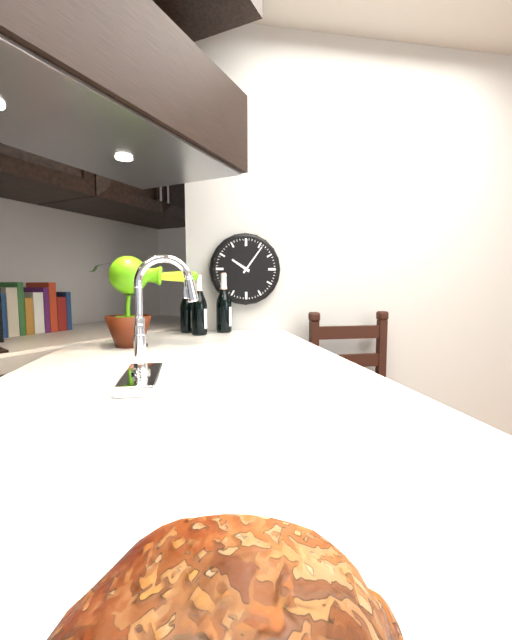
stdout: 10:06
